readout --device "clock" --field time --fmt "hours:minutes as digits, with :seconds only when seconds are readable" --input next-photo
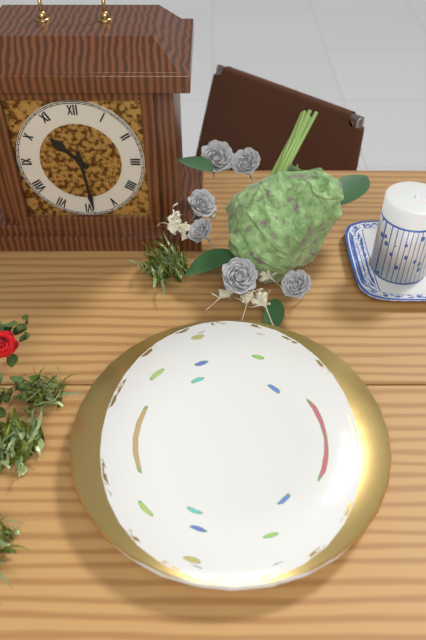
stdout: 10:29
